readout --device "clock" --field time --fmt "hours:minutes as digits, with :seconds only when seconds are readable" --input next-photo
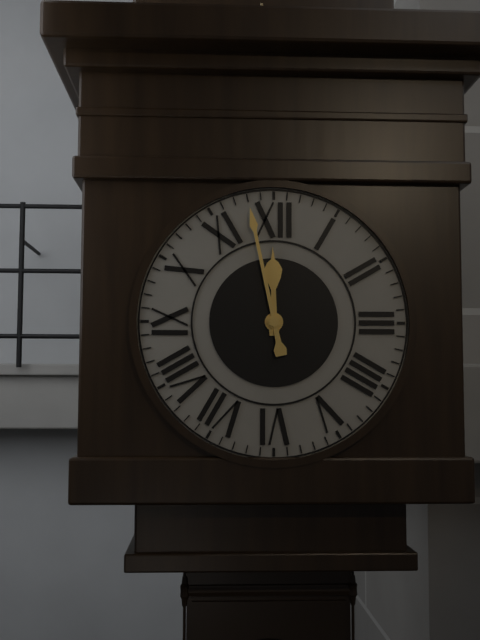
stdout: 11:58
